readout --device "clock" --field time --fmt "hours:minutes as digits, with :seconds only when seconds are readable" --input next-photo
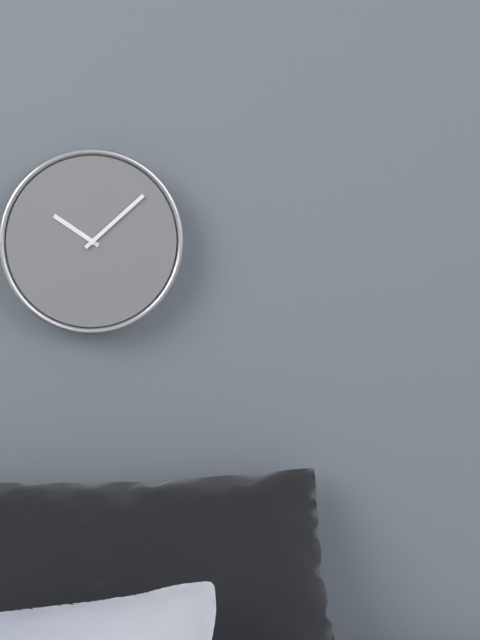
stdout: 10:08
